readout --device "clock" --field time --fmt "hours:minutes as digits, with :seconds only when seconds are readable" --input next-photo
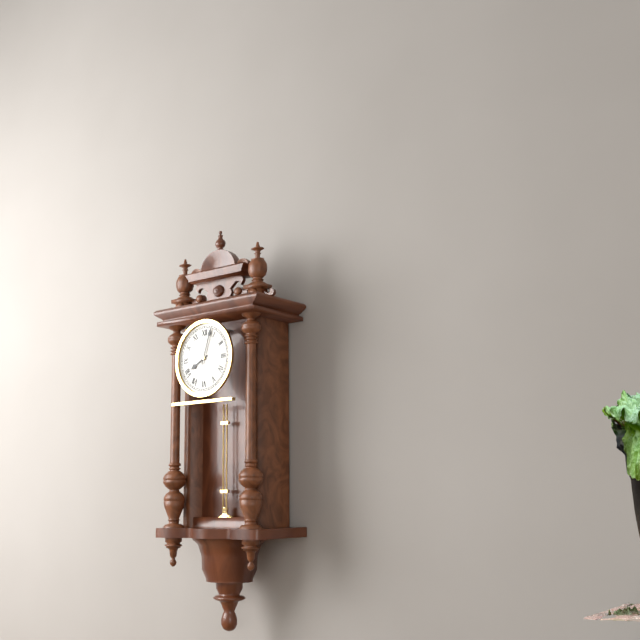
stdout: 8:03
